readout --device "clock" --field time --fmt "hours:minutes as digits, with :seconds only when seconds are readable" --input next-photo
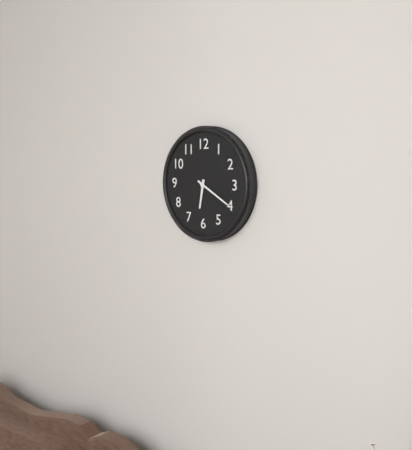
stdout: 6:20
